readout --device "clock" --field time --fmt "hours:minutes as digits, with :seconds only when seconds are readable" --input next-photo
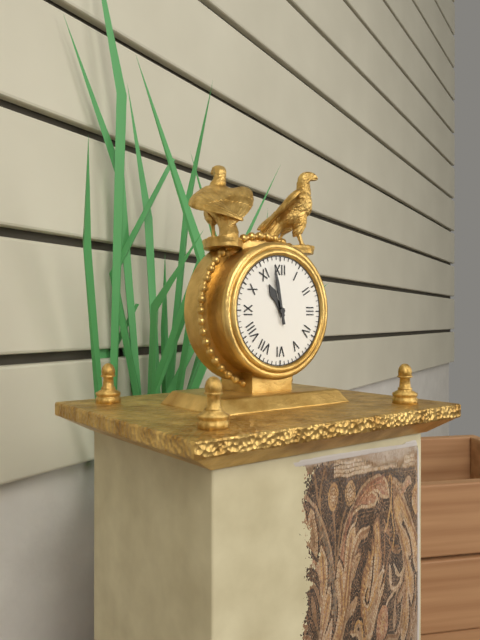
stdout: 10:58
